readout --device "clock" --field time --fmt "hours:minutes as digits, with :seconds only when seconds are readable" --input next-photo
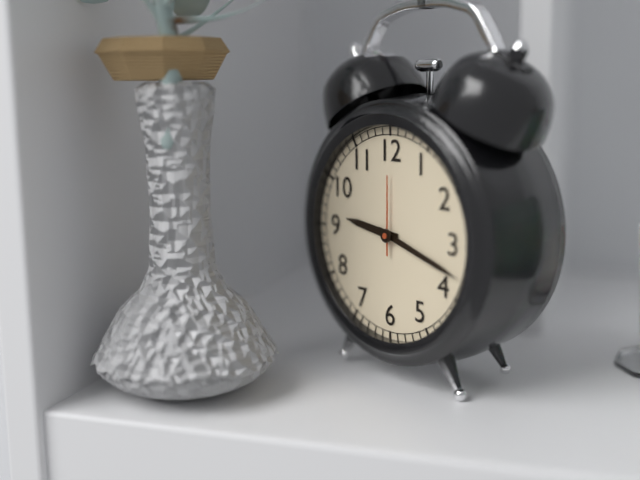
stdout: 9:18:00
